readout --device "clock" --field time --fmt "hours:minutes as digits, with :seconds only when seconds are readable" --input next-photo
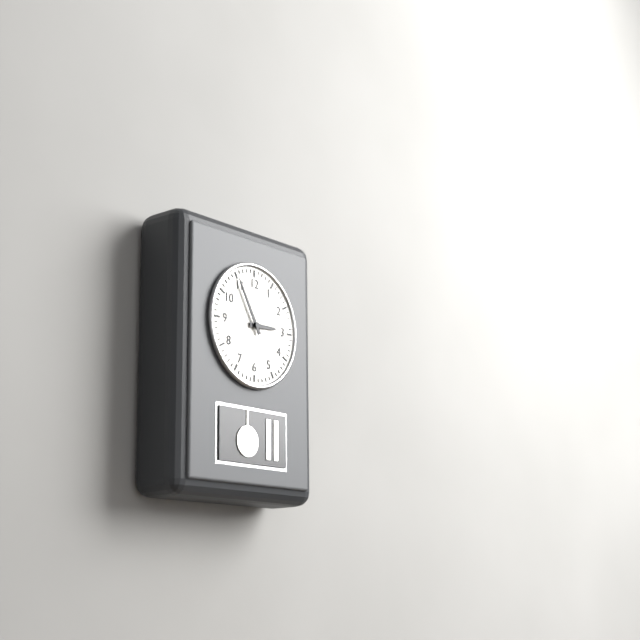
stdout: 2:55
